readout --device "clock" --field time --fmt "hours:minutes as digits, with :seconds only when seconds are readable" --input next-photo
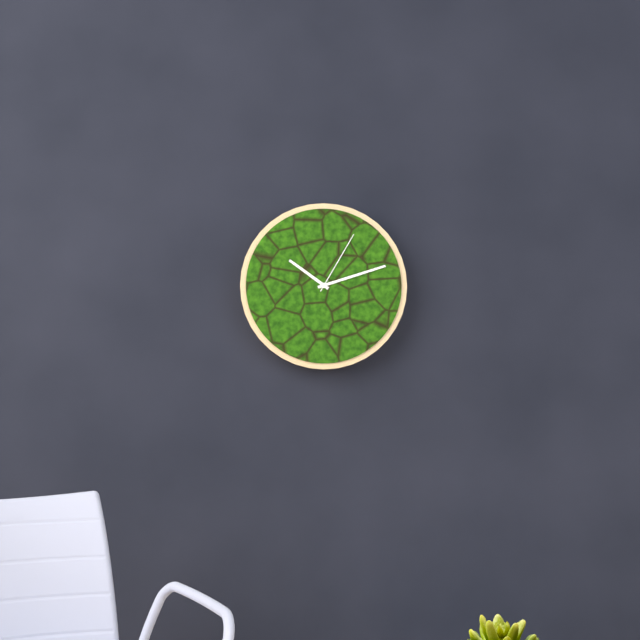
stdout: 10:12:05
